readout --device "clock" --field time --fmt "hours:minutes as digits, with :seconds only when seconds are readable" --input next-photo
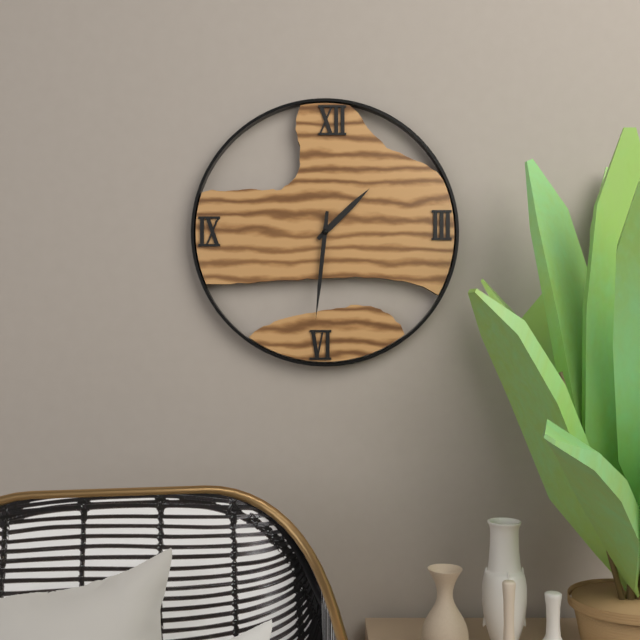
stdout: 1:31
